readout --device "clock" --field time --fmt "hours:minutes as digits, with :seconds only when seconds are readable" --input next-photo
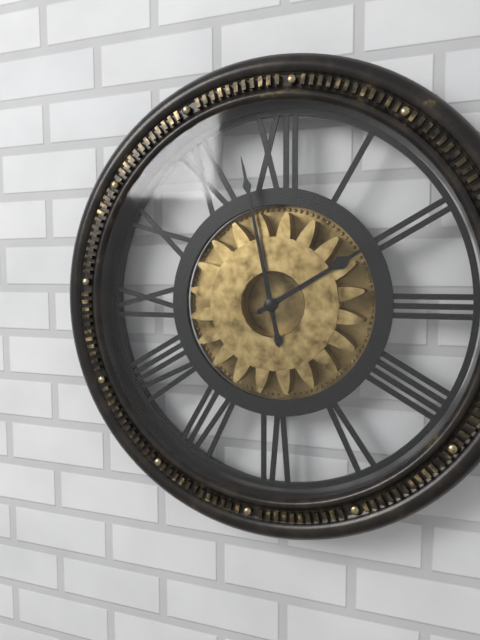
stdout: 1:58
